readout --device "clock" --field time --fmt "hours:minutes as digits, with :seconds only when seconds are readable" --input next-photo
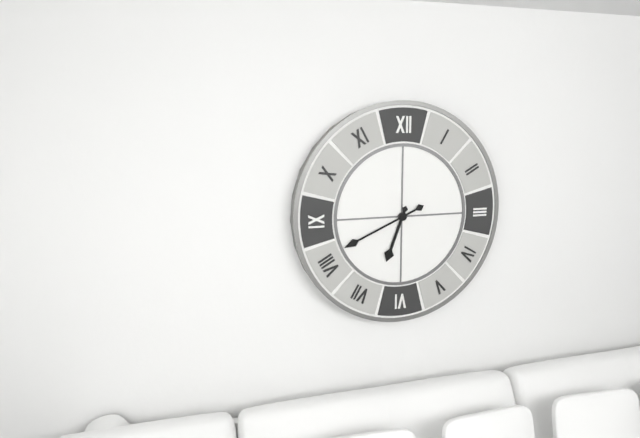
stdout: 6:41
